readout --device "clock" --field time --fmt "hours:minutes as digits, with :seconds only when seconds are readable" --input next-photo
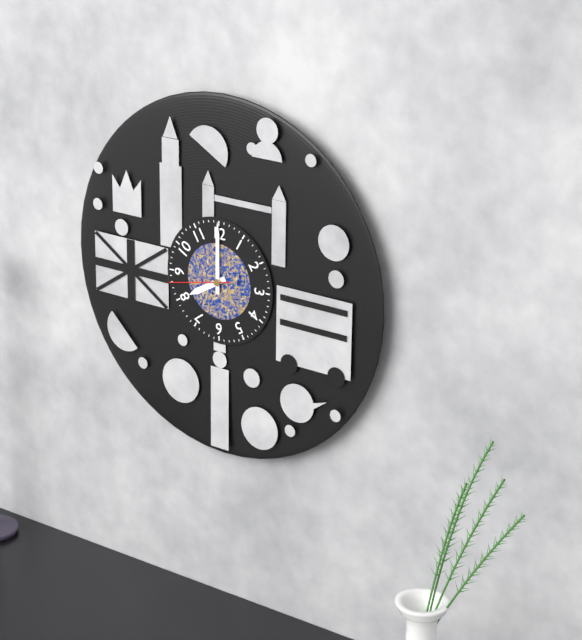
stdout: 8:00:43
